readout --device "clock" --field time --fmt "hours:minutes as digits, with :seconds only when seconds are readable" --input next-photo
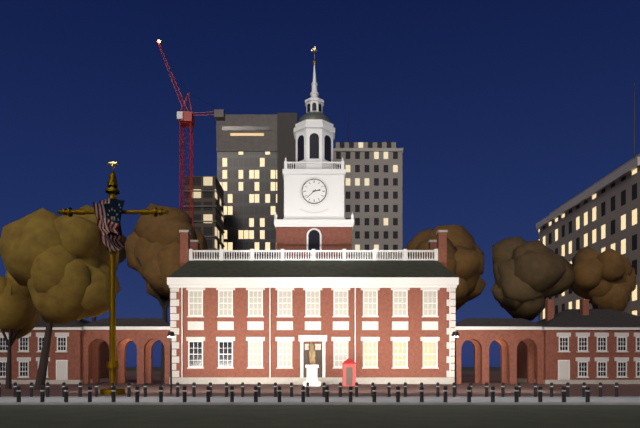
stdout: 2:38
